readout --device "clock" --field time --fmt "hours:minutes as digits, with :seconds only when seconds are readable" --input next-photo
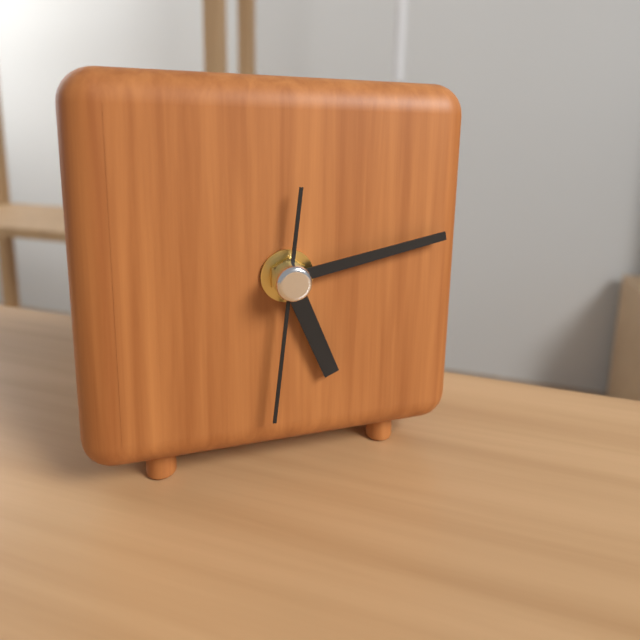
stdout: 5:13:31
